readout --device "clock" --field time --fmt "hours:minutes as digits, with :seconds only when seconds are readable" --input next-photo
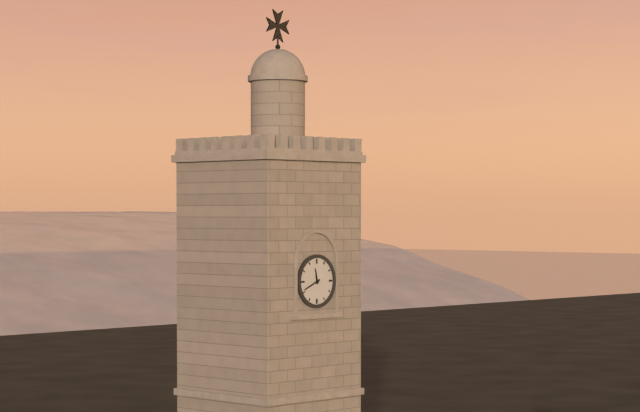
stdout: 11:41
